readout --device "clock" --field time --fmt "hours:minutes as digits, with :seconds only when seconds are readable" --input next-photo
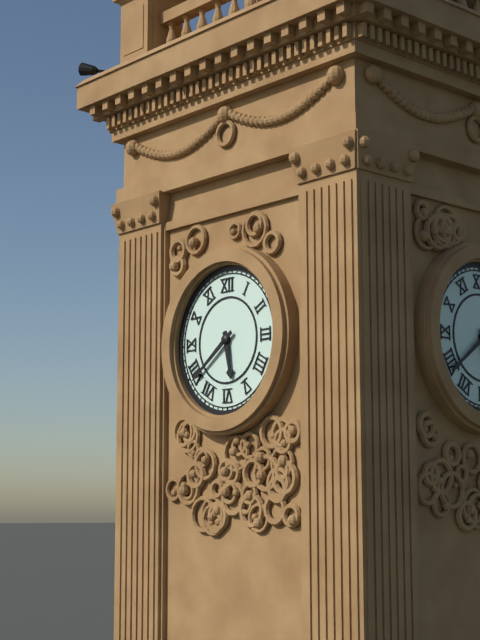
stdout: 5:39
